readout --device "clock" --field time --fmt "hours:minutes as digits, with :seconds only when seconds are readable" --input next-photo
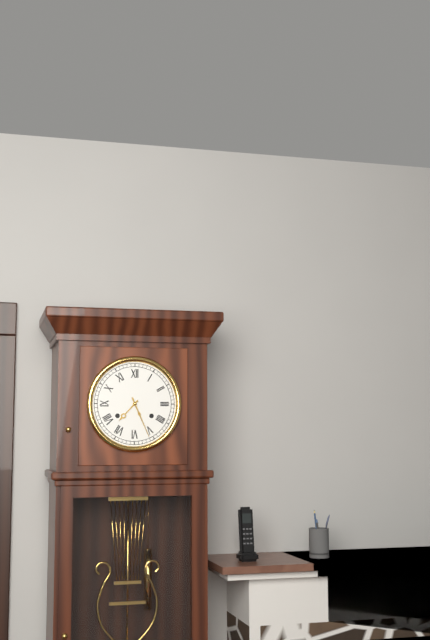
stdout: 7:26
